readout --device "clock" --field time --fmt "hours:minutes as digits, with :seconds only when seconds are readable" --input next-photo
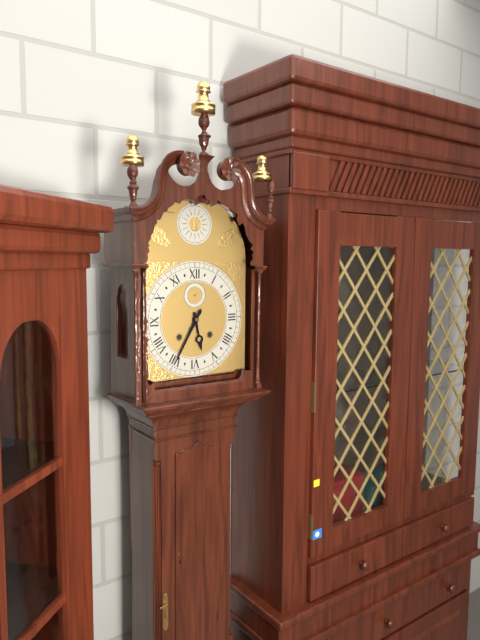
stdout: 5:35
